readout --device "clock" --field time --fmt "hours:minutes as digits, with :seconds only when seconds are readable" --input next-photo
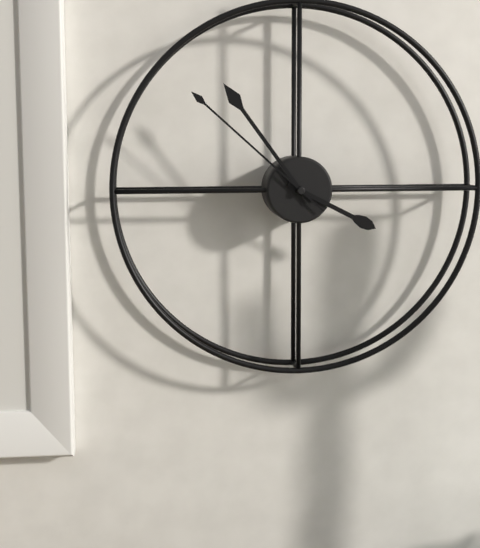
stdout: 3:54:52
